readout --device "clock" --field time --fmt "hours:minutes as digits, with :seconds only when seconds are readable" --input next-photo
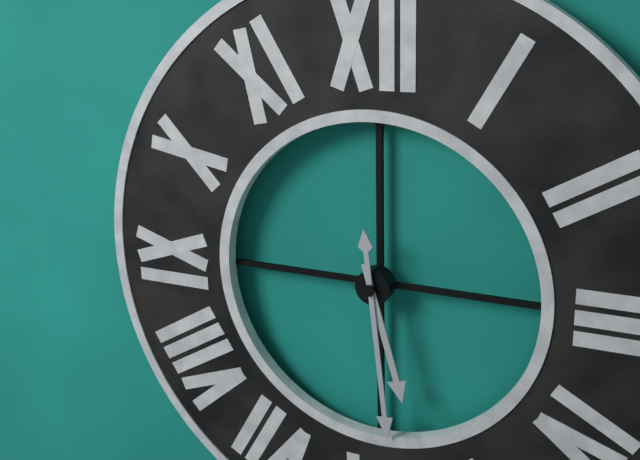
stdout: 5:29
